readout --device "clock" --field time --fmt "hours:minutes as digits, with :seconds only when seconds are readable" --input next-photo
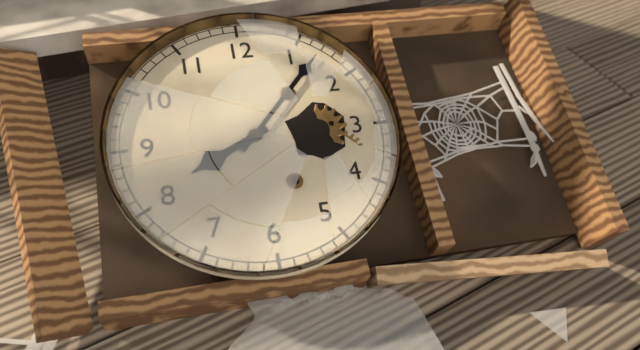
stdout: 8:07
